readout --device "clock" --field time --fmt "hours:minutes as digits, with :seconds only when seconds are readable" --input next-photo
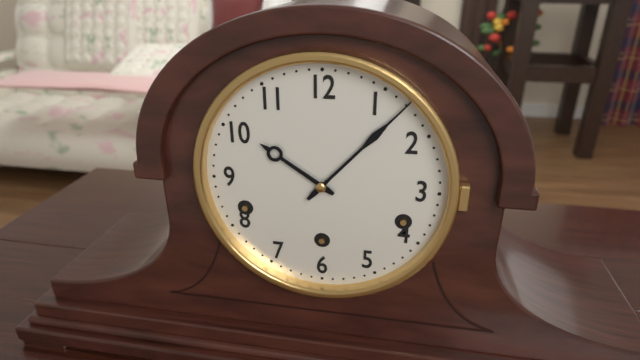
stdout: 10:07
